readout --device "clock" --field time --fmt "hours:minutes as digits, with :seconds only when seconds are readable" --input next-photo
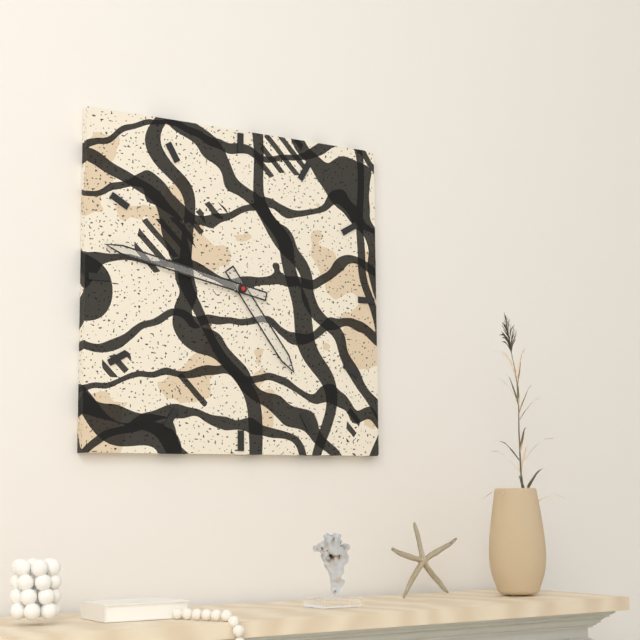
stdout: 4:47
